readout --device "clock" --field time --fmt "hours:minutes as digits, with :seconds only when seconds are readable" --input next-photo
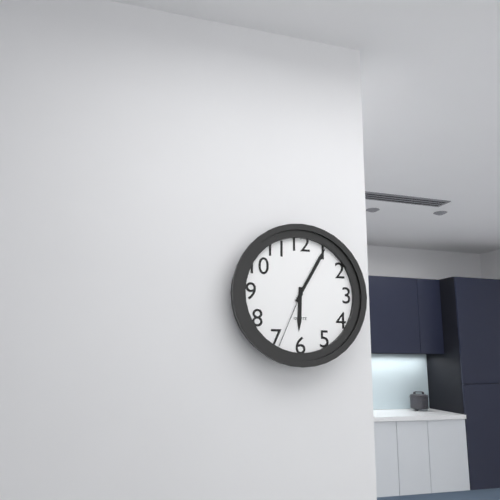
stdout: 6:05:34
